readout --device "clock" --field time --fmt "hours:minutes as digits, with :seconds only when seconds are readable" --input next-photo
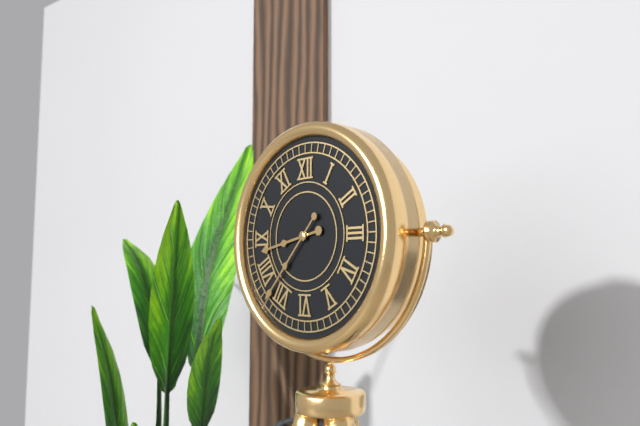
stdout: 8:37
